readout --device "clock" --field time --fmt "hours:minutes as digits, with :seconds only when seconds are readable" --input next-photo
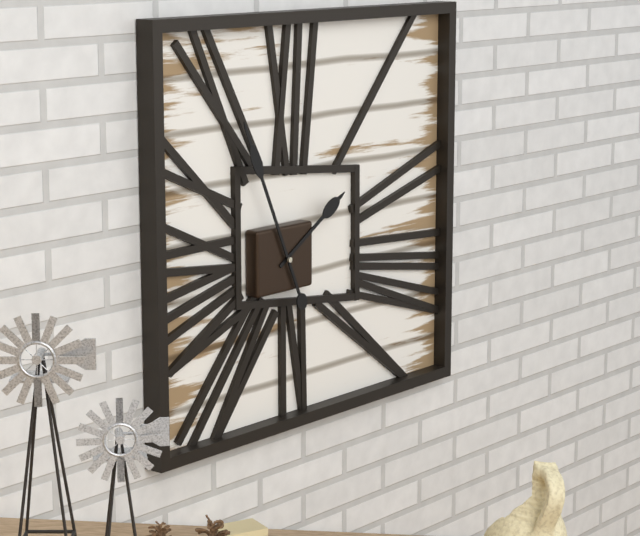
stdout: 1:56
